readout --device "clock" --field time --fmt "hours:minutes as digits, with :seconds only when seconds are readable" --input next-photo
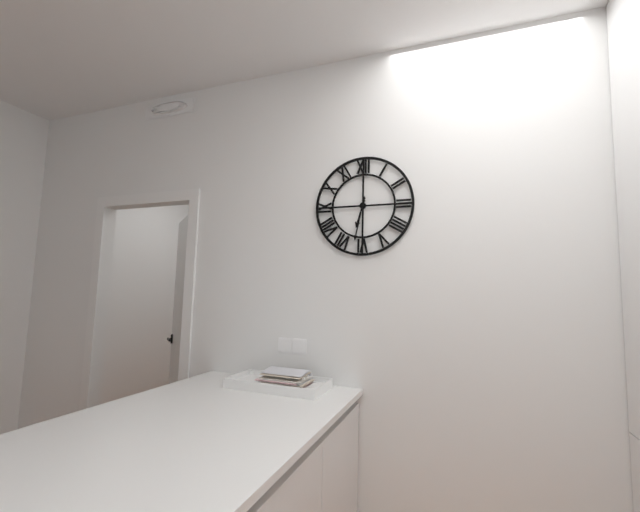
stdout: 6:32
